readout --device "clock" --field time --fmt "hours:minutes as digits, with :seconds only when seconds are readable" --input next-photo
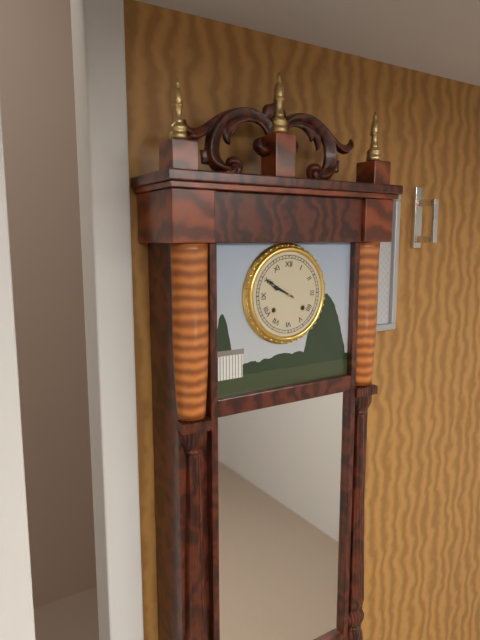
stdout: 9:50
